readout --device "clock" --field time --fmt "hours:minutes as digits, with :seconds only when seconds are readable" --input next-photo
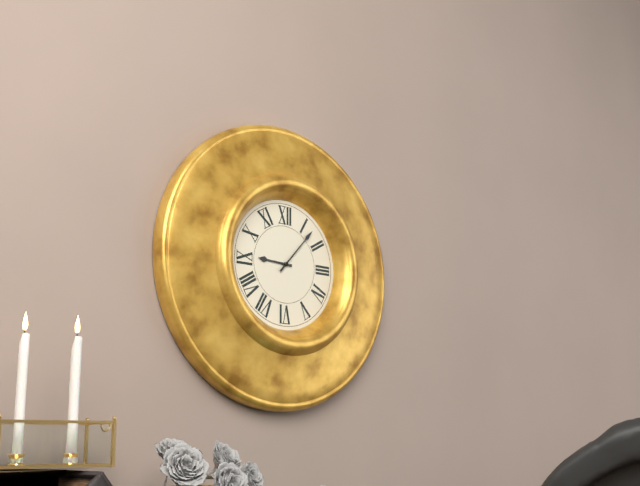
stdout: 9:07
